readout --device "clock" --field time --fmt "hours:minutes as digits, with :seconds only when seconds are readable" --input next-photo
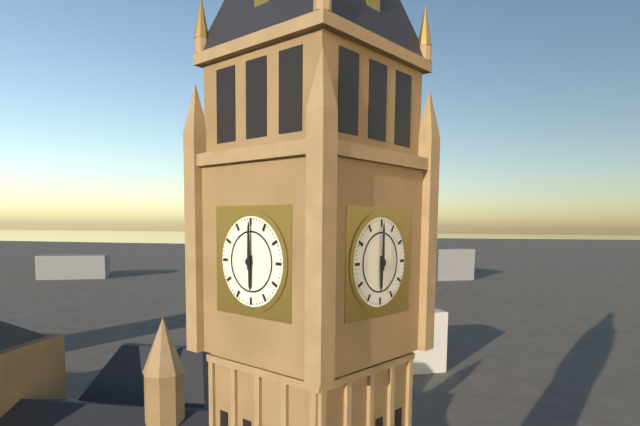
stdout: 6:00
